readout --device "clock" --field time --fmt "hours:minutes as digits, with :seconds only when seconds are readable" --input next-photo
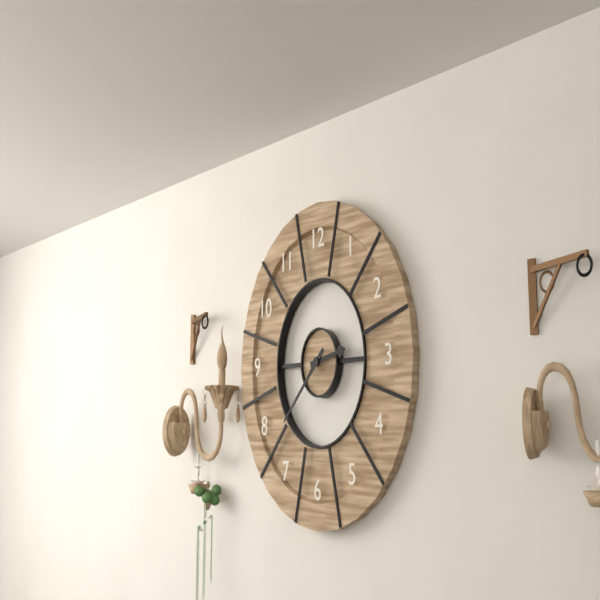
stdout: 2:38
